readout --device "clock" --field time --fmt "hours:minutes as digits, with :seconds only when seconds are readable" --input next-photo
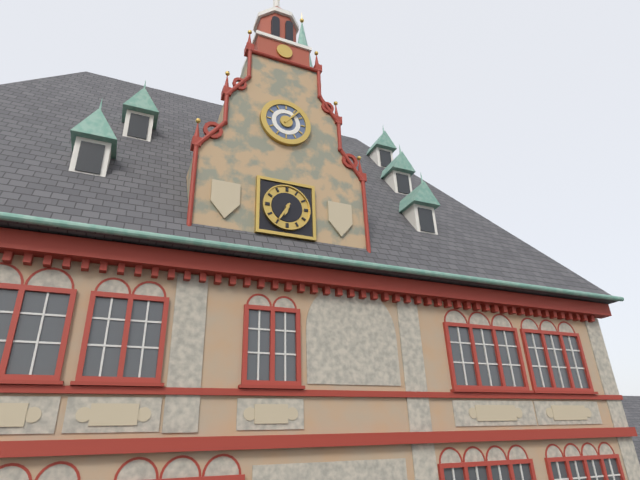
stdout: 6:35
